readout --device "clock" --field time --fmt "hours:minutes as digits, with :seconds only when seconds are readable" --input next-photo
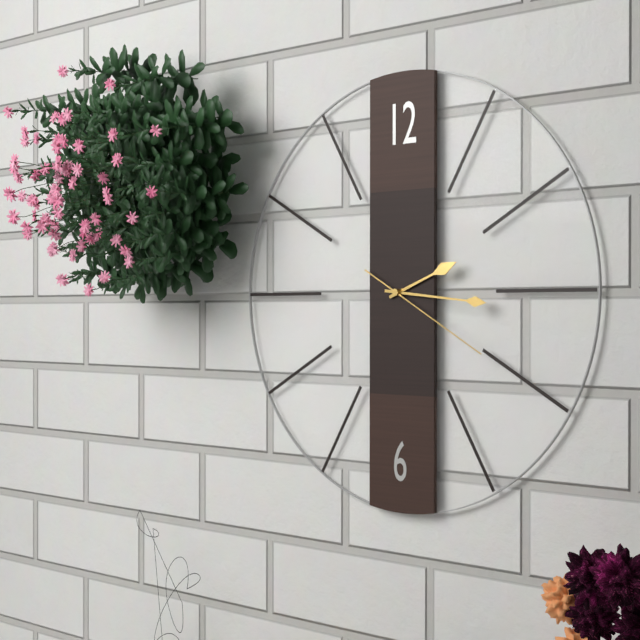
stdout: 2:16:20
